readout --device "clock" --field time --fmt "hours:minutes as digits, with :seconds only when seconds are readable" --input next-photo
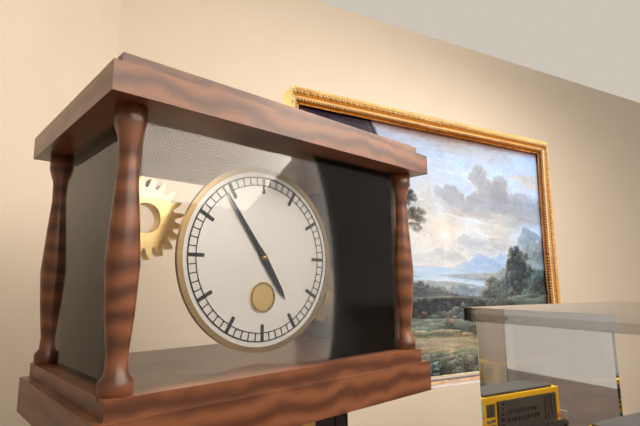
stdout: 4:54
